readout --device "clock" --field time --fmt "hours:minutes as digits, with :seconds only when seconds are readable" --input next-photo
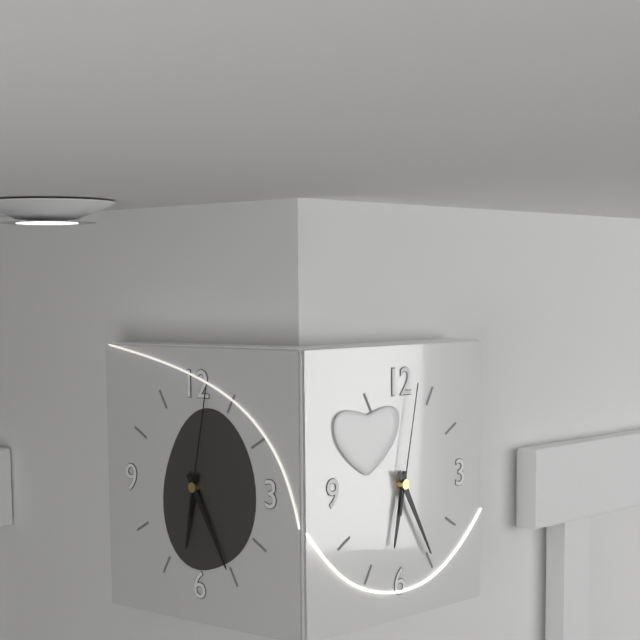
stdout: 6:25:02
